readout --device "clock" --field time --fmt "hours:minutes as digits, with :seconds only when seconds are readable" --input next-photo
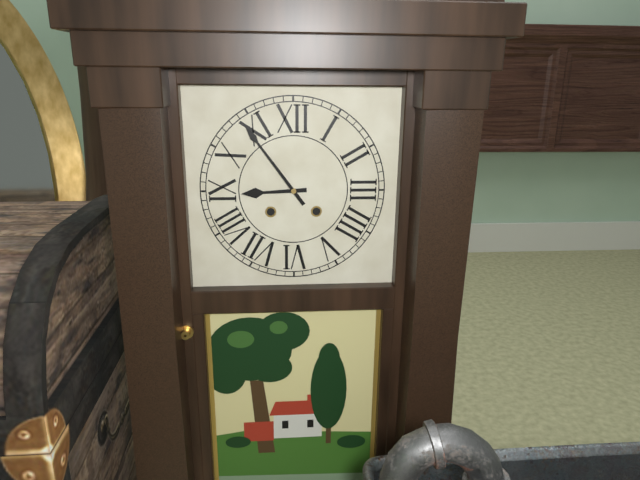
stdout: 8:54
